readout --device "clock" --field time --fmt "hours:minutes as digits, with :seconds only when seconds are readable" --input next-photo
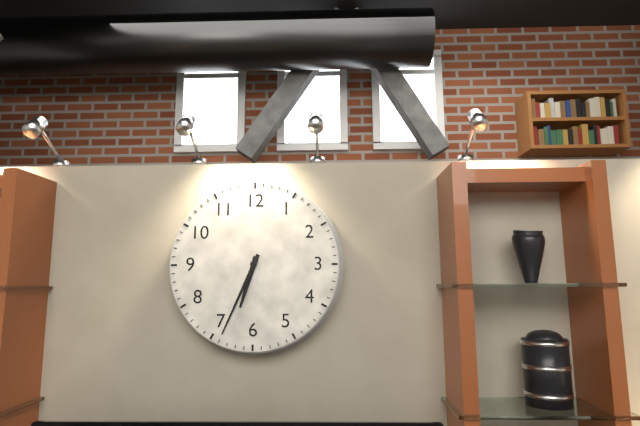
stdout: 6:34
